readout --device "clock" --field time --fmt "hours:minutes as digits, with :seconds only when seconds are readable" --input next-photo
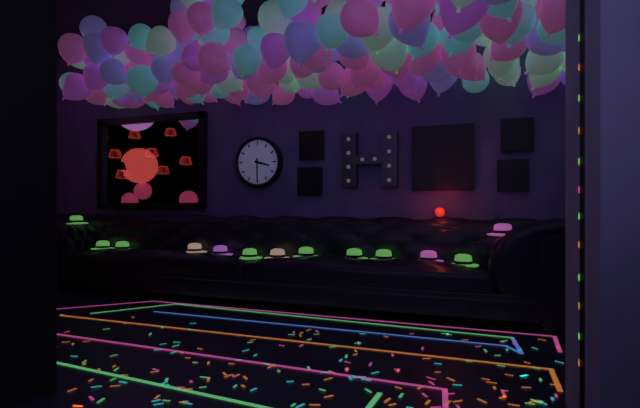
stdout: 3:30
